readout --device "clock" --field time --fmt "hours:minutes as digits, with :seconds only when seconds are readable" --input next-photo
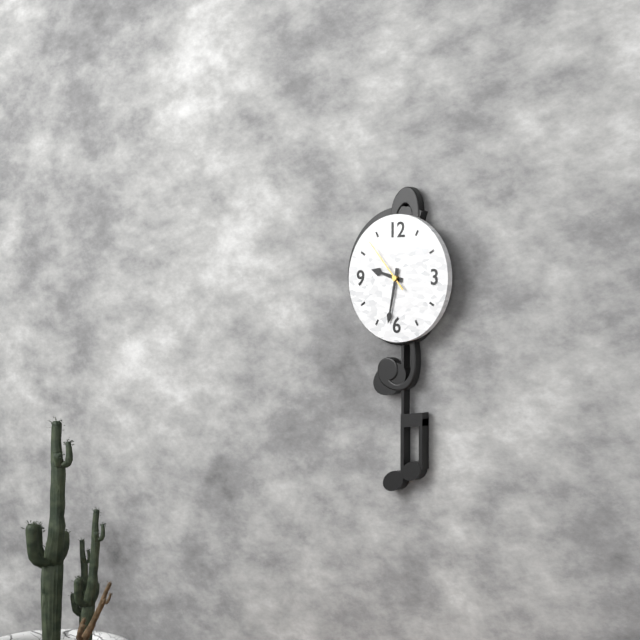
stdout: 9:32:53
